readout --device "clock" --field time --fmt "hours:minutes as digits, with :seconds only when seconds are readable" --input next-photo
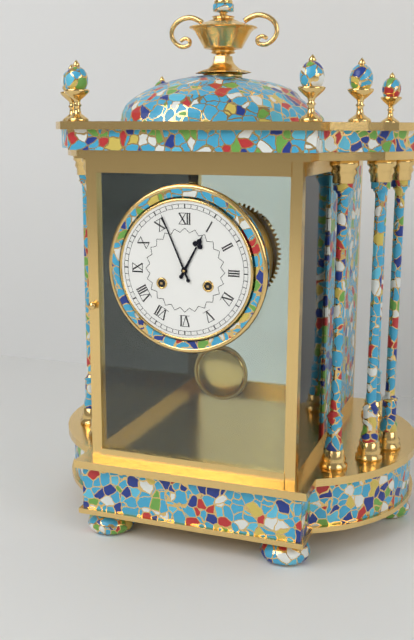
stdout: 12:56
